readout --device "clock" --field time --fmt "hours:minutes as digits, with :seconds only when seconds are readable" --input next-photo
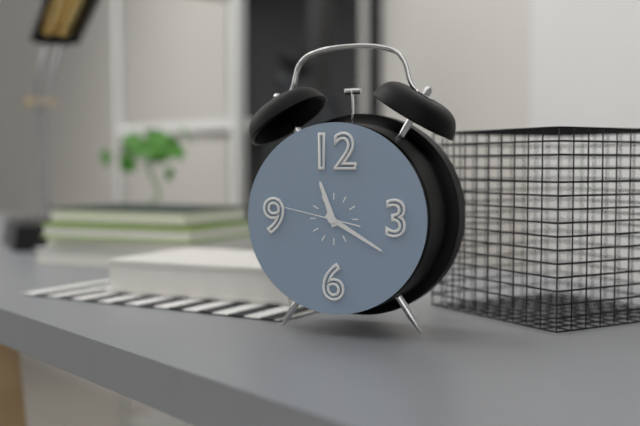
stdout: 11:20:47
